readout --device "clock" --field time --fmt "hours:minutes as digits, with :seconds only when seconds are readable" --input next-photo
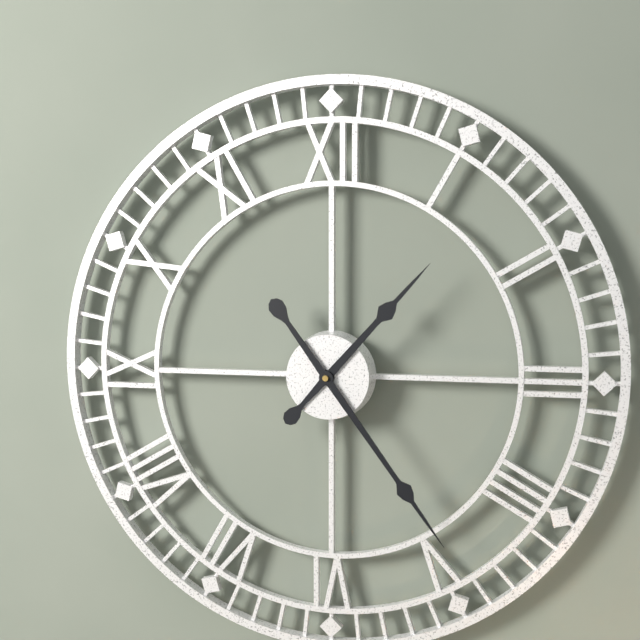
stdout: 1:24
